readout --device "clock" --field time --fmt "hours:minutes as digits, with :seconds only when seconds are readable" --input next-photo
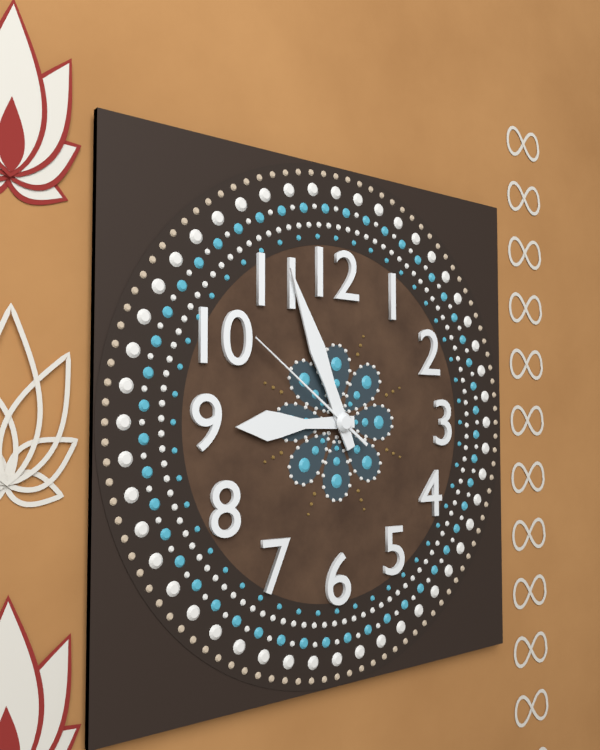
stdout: 8:56:51
